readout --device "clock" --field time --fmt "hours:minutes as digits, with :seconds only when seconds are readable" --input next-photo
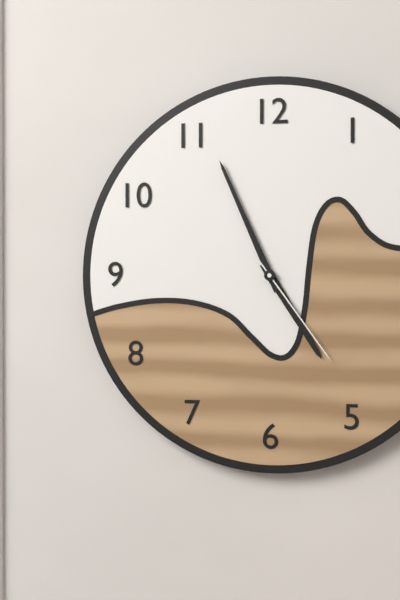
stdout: 4:56:24
